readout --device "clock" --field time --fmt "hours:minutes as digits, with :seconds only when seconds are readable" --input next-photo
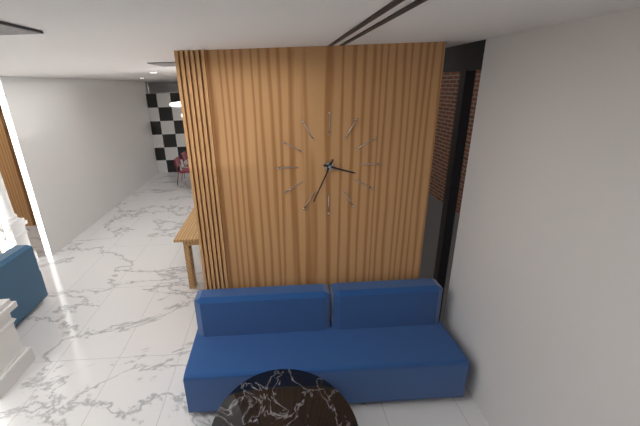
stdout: 3:34
